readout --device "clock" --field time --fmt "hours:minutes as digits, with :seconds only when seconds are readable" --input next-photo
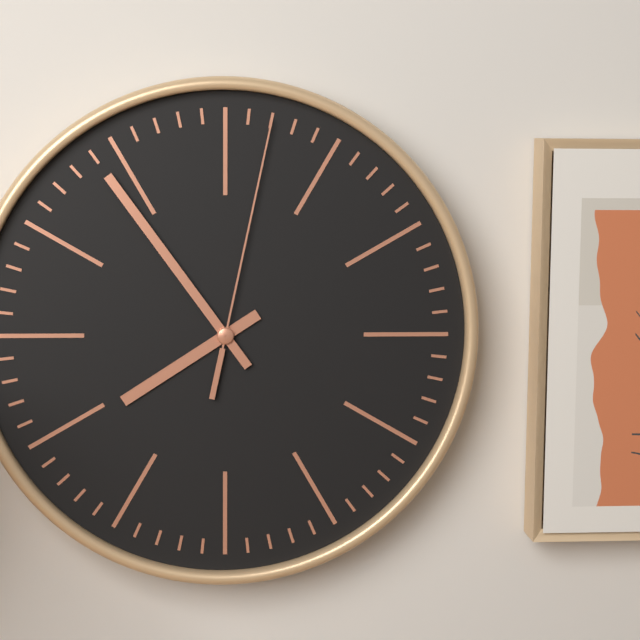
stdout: 7:54:02
